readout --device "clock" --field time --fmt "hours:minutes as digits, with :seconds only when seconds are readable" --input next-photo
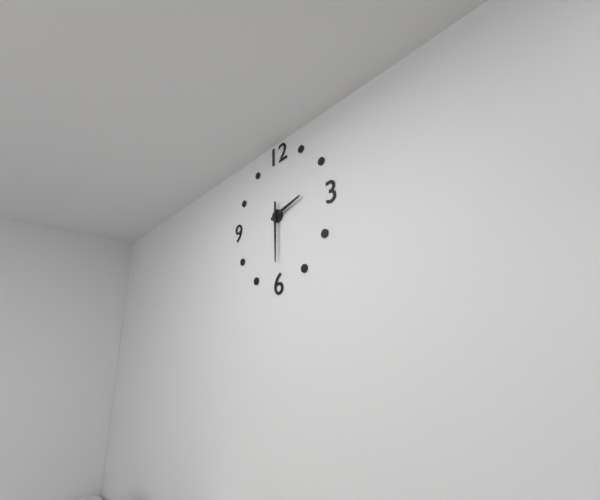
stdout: 2:30
